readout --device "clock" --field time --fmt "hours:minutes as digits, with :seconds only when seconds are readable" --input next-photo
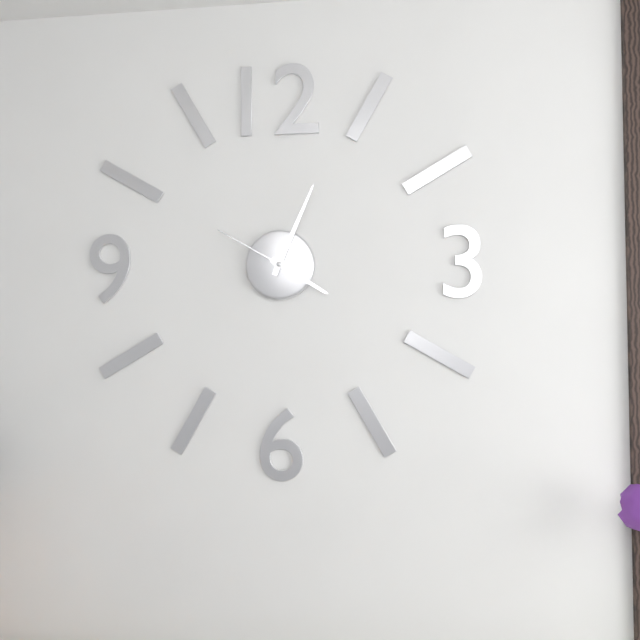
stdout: 4:04:50
